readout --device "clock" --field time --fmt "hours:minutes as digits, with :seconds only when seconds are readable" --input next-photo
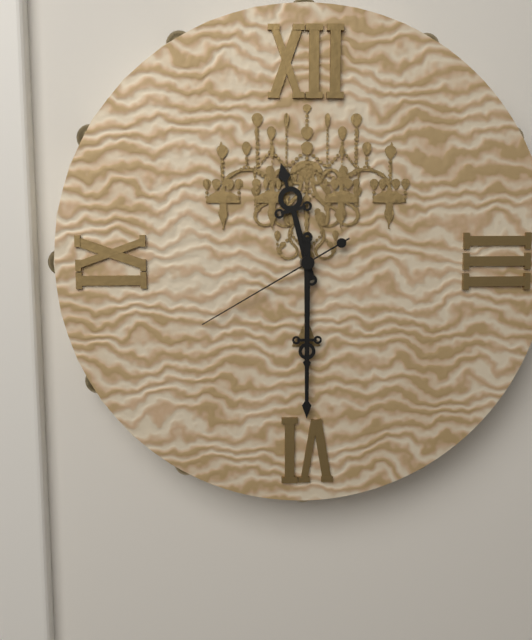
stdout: 11:30:40
